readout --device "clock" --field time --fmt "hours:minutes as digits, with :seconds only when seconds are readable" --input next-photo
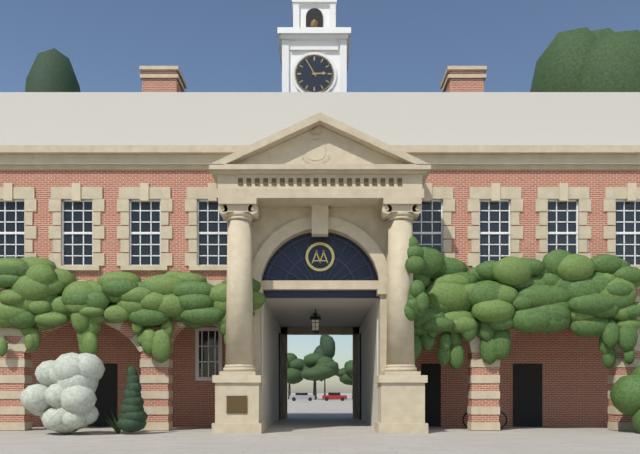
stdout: 2:55
